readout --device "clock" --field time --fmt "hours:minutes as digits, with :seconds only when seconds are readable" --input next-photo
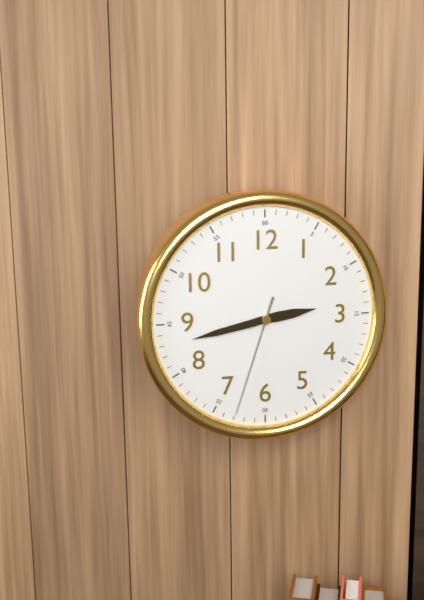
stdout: 2:43:33
